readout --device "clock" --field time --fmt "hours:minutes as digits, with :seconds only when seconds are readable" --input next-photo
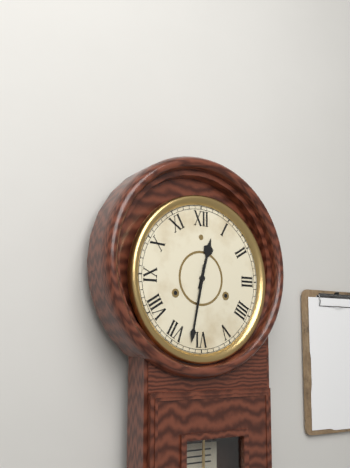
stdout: 12:32
